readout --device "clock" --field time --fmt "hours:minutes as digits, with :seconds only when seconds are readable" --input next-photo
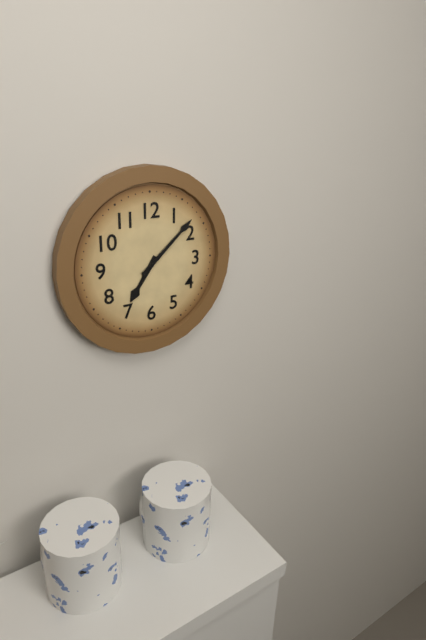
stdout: 7:08
